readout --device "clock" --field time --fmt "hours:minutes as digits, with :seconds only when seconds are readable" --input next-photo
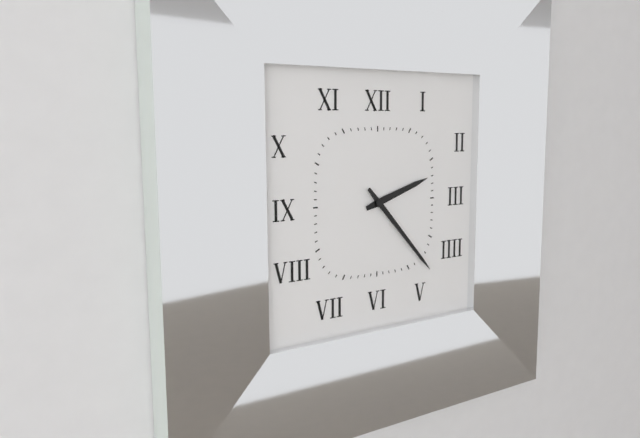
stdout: 2:23
